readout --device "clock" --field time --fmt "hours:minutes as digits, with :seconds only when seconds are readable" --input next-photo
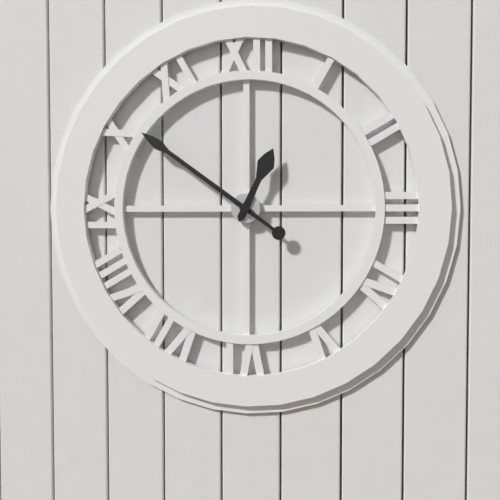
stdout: 12:51
